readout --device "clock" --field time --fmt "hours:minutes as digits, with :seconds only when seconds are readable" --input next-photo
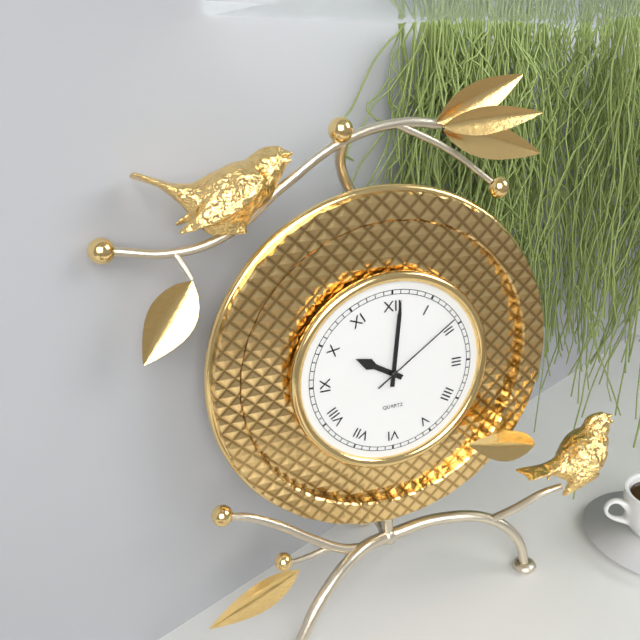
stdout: 10:01:09
